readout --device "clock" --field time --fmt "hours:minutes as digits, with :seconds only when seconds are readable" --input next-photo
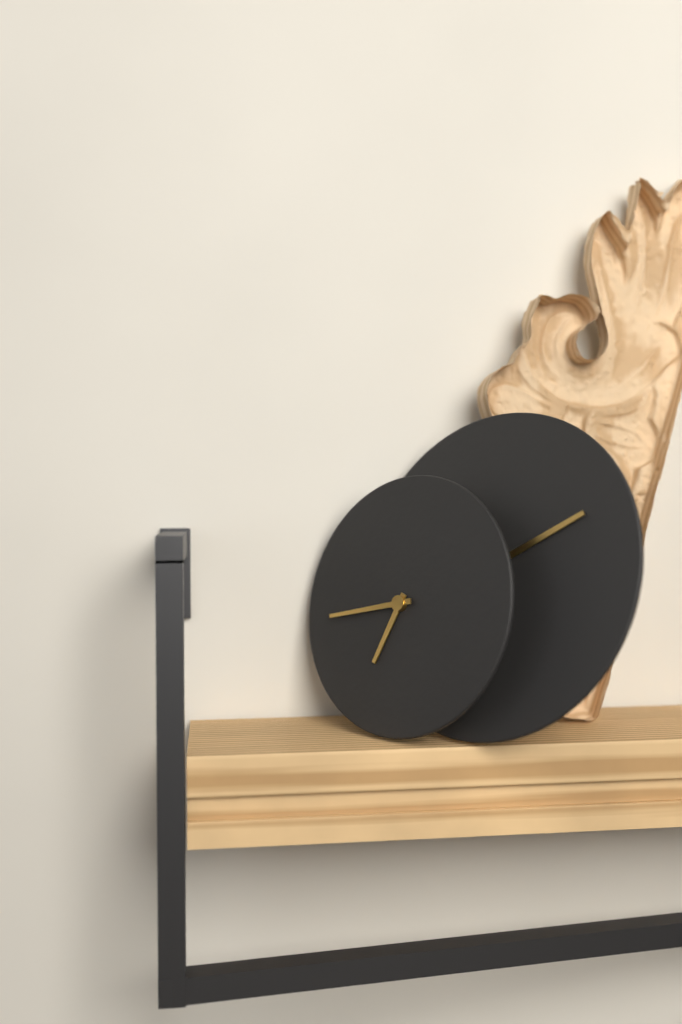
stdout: 6:43
